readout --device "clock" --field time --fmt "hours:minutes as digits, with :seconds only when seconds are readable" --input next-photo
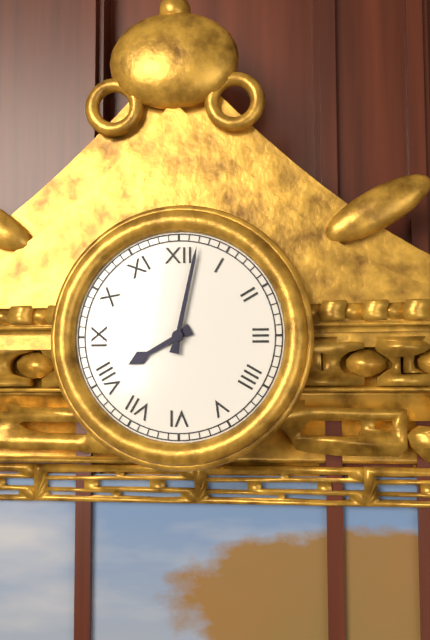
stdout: 8:02
